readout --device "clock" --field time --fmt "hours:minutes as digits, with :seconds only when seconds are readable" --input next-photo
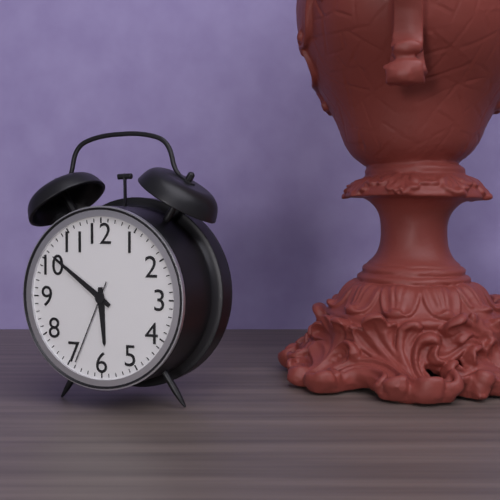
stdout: 5:51:34
